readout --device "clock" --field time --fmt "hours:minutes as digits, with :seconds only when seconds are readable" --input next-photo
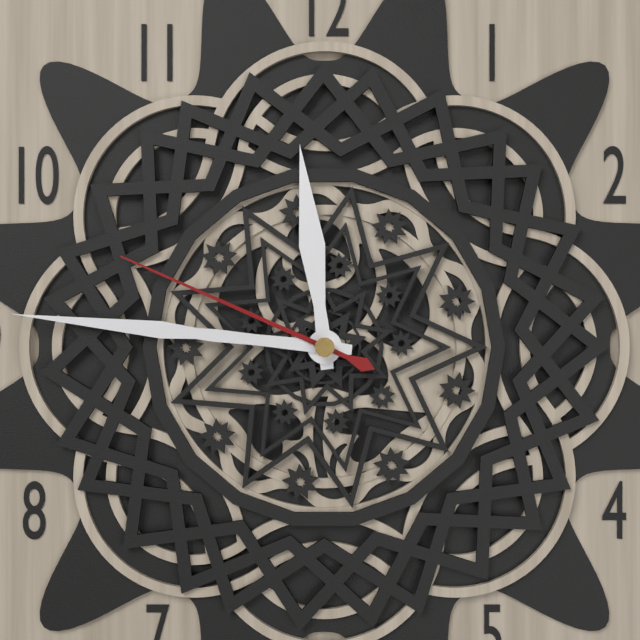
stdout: 11:46:49
